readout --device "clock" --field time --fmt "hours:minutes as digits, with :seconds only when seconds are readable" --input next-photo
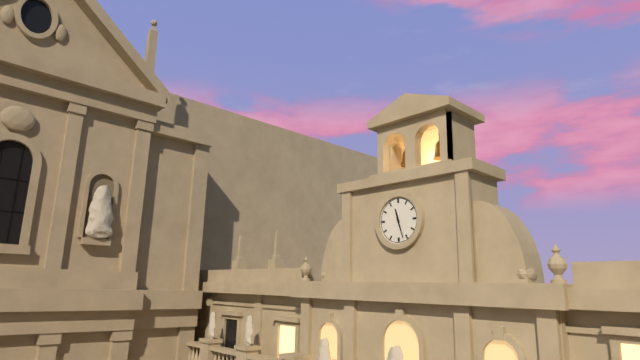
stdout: 11:27
